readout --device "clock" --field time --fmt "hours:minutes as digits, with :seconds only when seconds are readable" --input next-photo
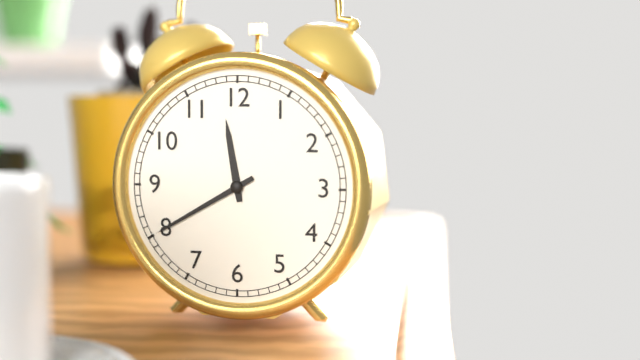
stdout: 11:40
